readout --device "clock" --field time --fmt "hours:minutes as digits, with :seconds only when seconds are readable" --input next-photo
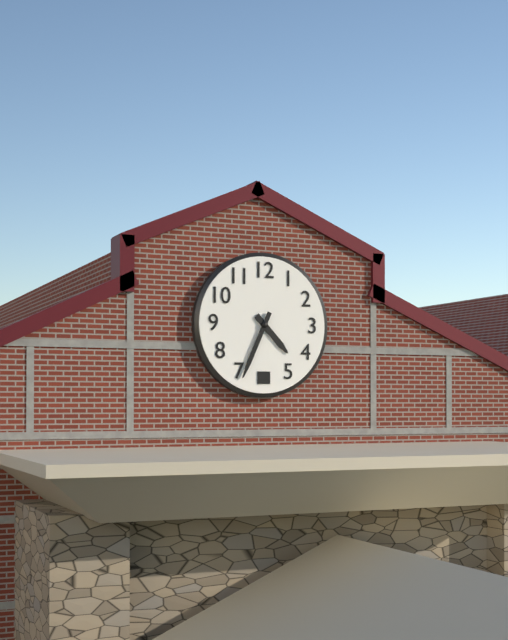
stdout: 4:34
